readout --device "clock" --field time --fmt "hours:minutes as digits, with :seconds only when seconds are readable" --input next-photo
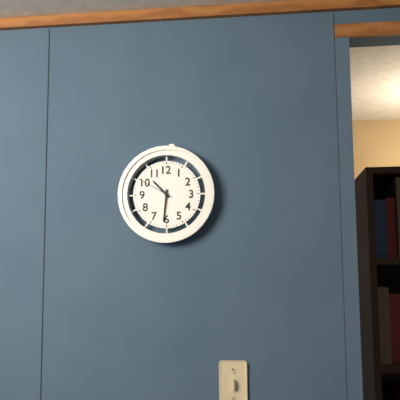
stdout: 10:31
